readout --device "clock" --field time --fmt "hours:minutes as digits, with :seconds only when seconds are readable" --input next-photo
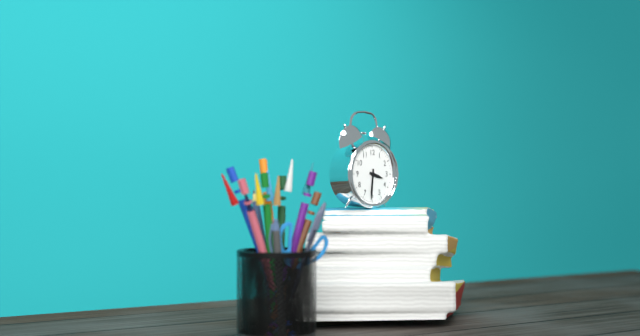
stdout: 3:31
